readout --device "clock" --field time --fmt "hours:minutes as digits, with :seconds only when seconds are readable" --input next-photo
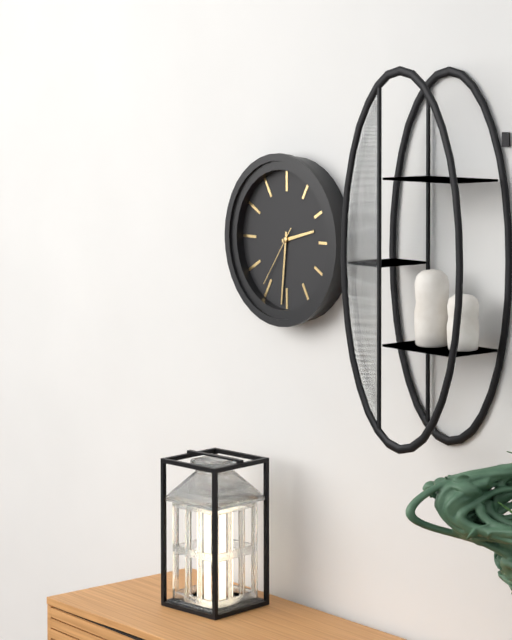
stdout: 2:31:36
